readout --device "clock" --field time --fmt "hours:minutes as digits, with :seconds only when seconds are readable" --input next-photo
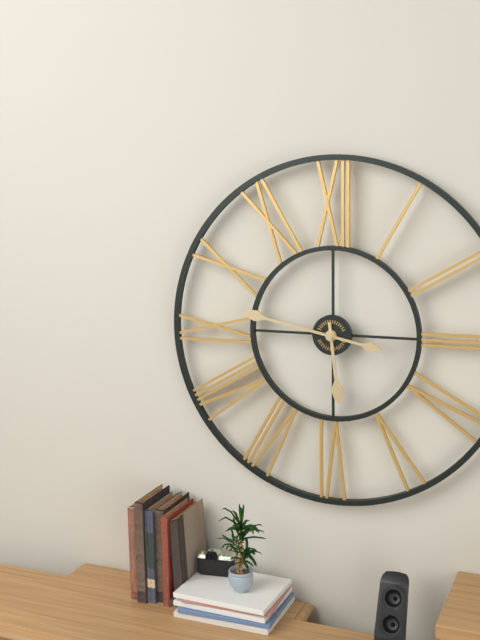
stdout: 5:47
